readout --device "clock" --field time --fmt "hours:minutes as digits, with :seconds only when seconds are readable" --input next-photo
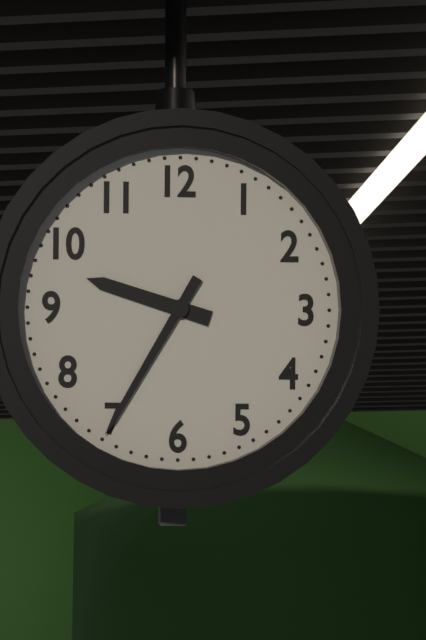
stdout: 9:35
